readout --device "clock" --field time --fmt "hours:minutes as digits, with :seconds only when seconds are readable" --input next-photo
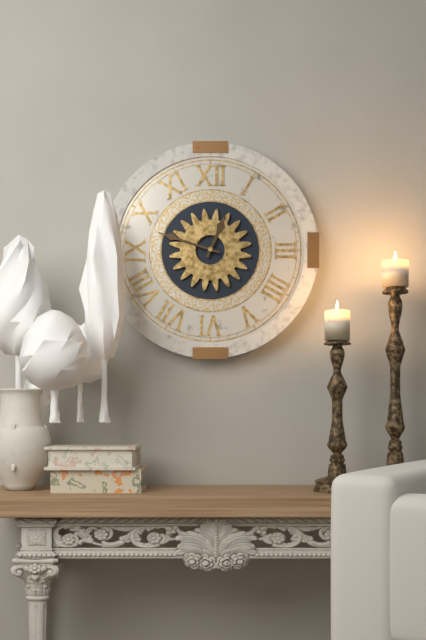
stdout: 12:48
